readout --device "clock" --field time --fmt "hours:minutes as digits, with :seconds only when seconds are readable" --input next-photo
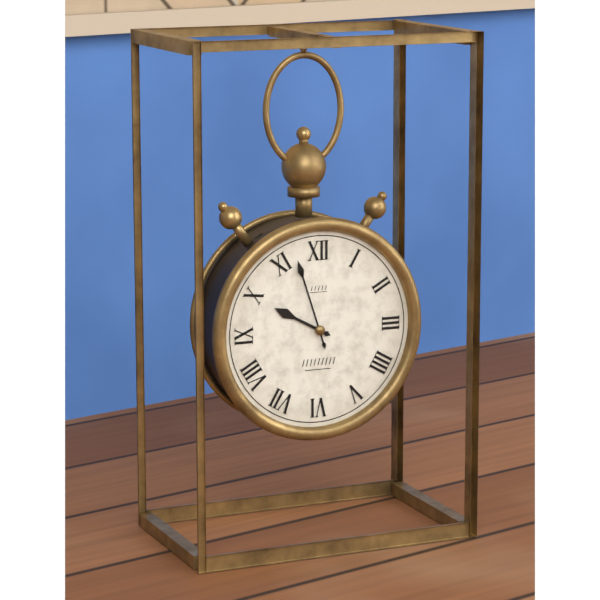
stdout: 9:57
